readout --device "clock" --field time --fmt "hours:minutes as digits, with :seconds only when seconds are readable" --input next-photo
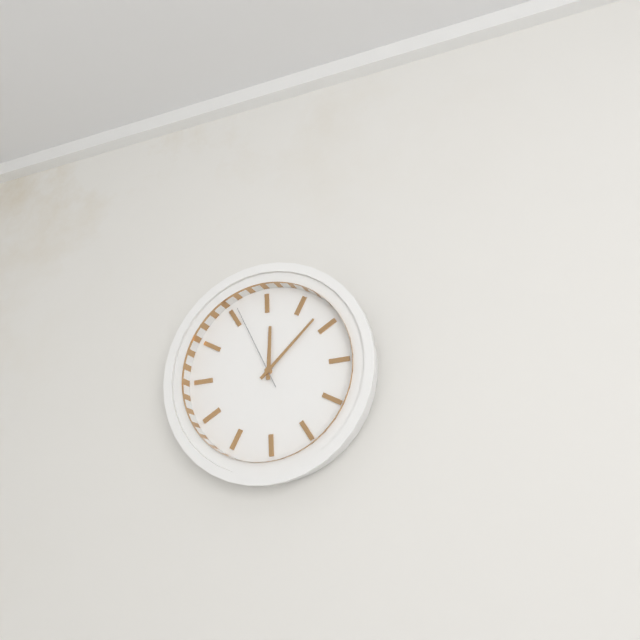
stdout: 12:08:56
